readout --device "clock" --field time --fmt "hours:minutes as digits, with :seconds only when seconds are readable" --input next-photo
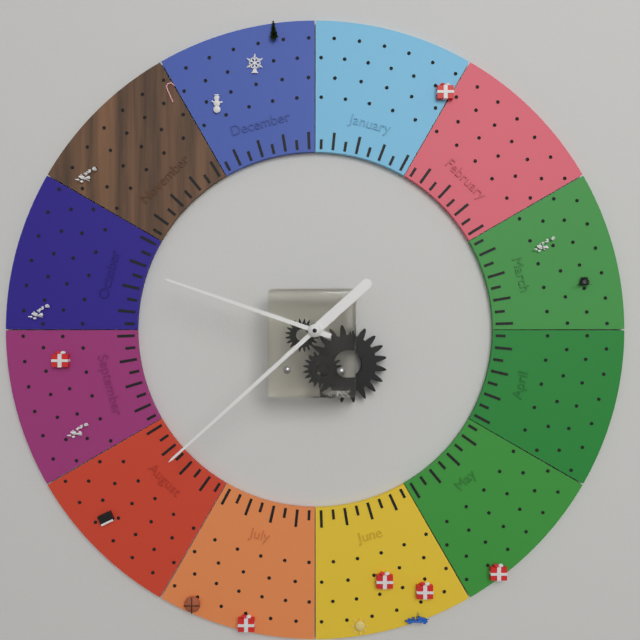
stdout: 9:38
